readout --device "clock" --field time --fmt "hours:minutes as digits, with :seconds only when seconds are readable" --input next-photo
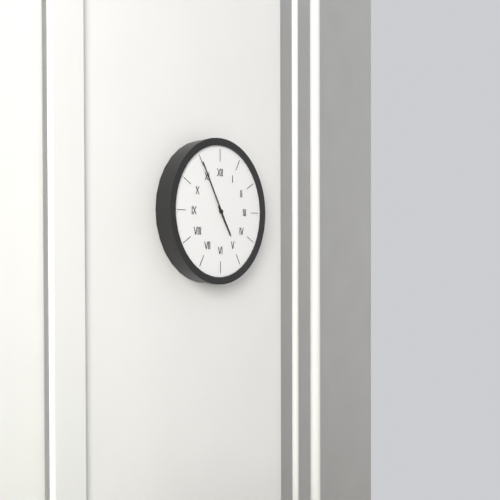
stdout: 4:55
